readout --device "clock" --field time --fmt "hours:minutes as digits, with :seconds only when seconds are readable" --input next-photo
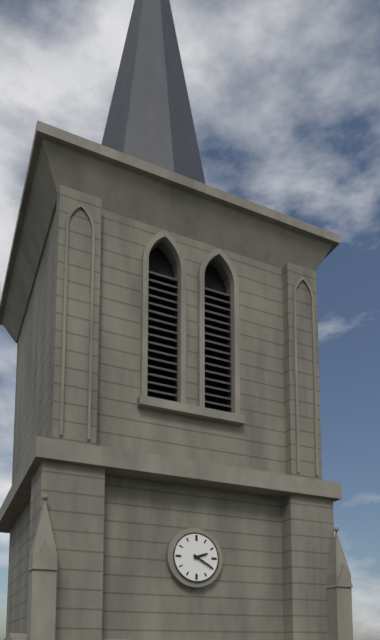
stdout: 2:20
